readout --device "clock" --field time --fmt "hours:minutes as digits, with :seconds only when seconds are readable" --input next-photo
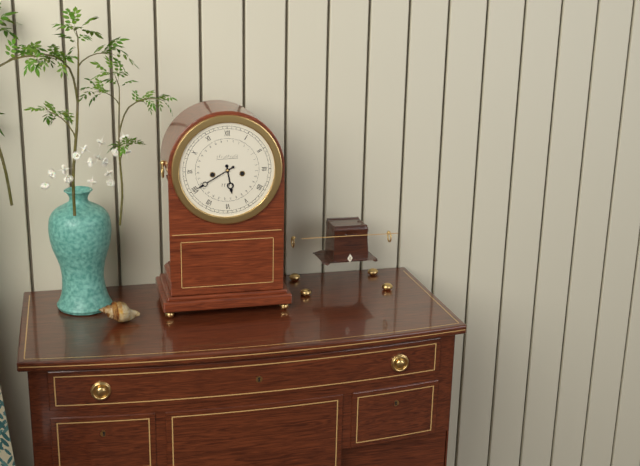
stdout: 5:40
